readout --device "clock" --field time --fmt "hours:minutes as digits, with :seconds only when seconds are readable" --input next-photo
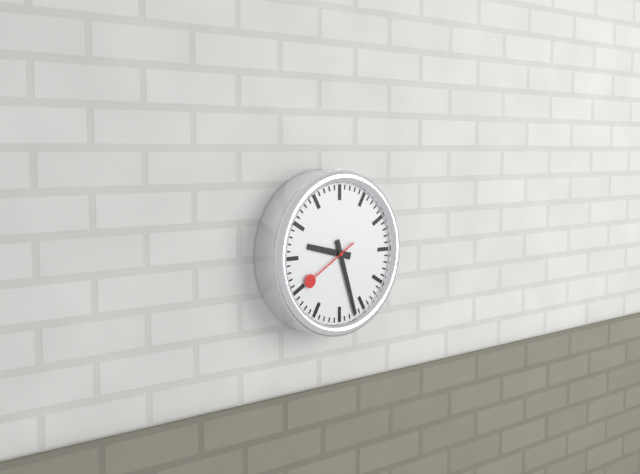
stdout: 9:27
